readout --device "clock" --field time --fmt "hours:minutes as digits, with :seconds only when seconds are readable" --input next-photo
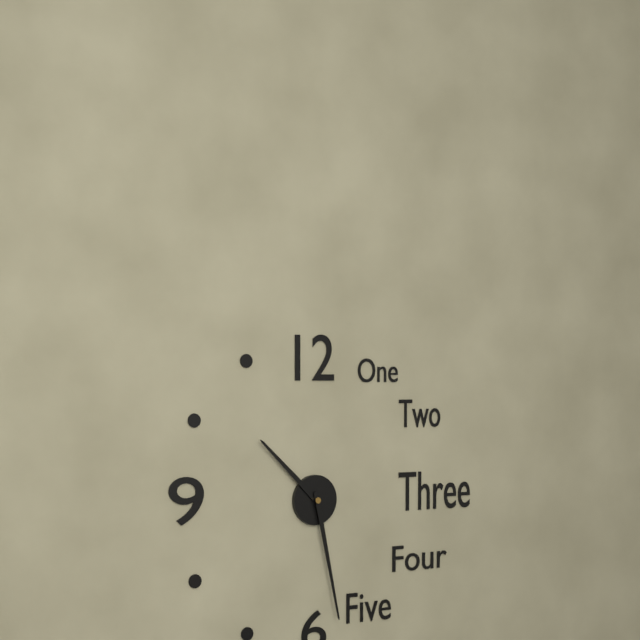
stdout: 10:28
